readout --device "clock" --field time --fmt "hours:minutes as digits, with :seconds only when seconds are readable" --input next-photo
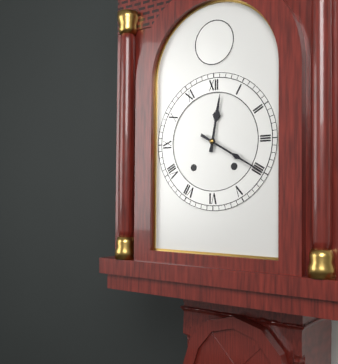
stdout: 12:20
